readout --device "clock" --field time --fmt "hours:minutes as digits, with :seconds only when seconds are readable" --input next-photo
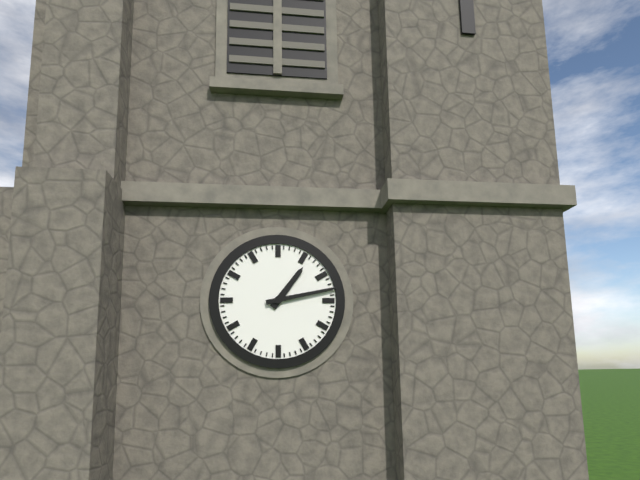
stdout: 1:13
